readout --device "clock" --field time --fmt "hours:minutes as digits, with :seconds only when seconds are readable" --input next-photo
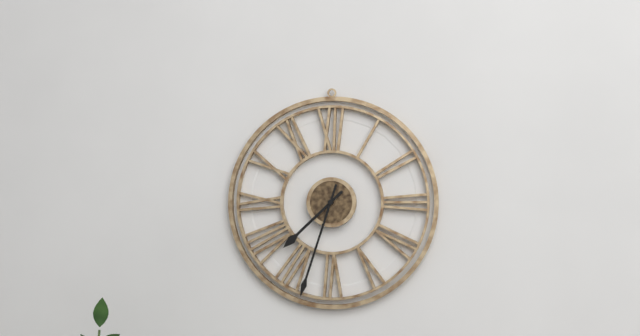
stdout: 7:33
